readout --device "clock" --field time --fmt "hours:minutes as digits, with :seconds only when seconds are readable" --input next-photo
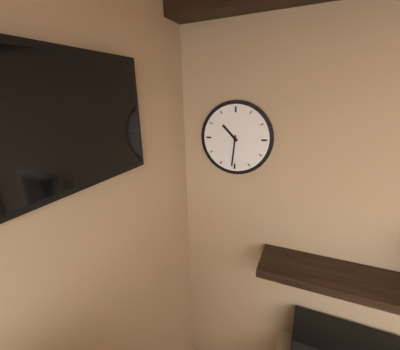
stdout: 10:31
